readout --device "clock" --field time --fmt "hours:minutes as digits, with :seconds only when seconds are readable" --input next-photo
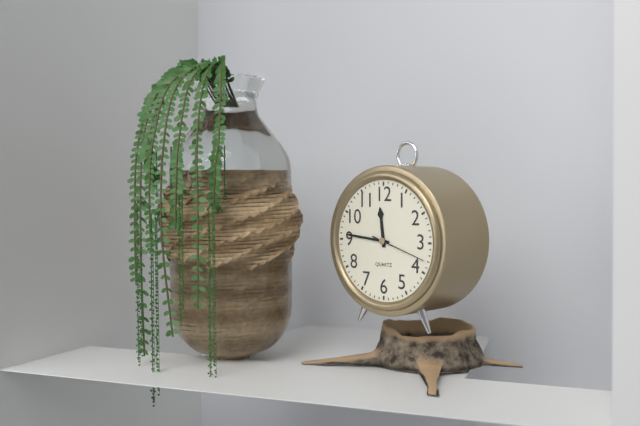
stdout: 11:46:18
